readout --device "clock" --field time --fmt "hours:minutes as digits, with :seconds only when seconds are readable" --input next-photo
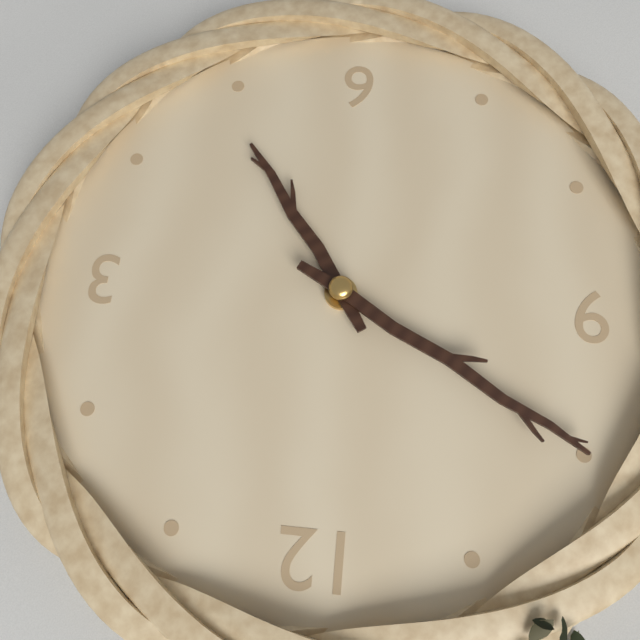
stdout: 4:50
